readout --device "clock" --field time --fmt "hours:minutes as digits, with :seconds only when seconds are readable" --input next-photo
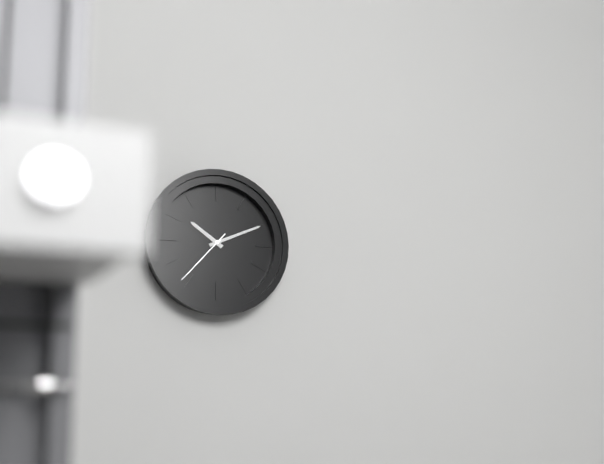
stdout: 10:11:37
